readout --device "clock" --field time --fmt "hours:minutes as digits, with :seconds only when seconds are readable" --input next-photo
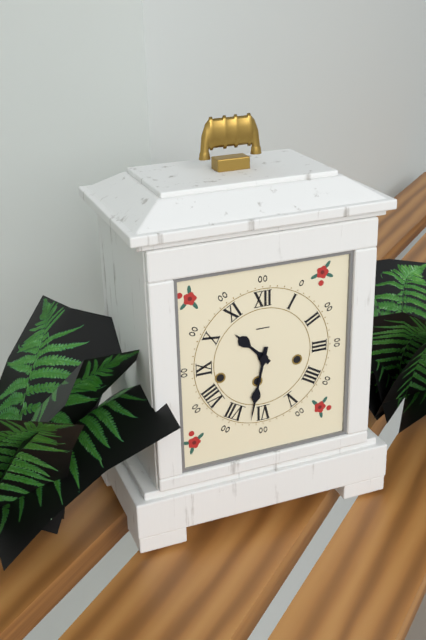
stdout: 10:32
